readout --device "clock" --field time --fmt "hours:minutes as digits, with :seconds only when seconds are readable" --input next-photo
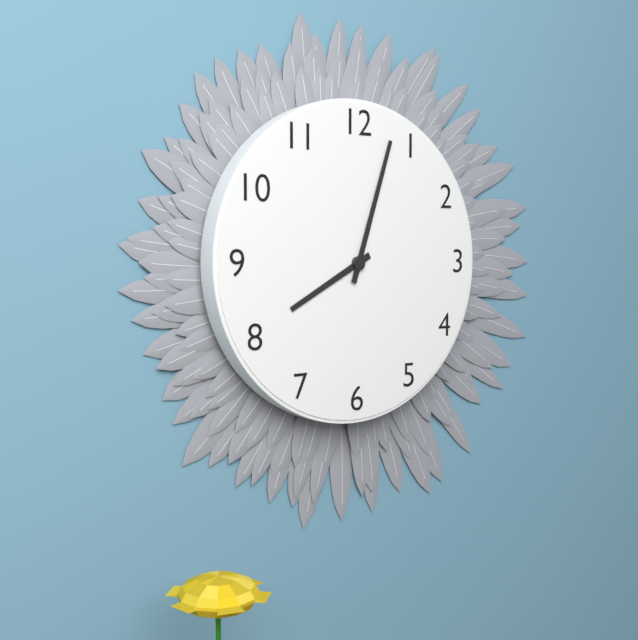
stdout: 8:03
